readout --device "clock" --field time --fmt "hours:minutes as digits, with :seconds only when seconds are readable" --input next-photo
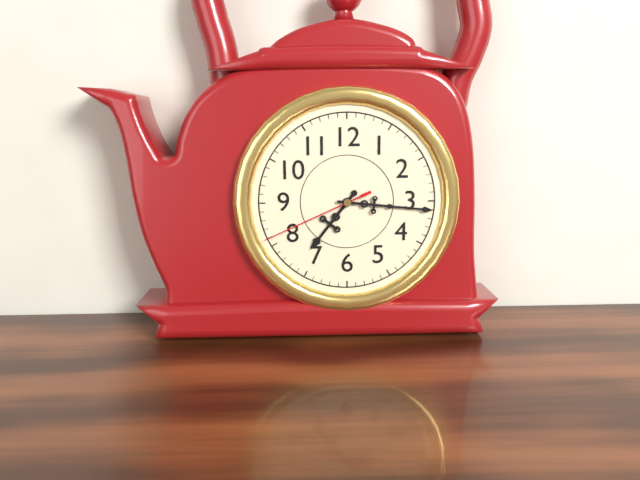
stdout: 7:16:41
